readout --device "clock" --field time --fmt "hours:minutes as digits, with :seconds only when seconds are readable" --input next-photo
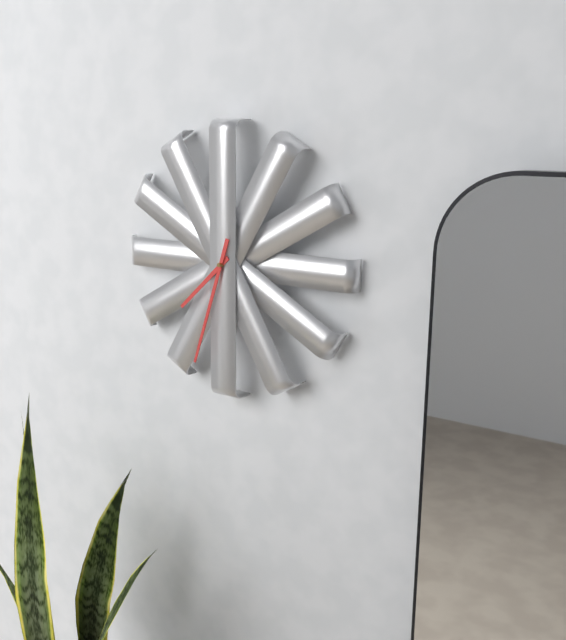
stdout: 7:33
